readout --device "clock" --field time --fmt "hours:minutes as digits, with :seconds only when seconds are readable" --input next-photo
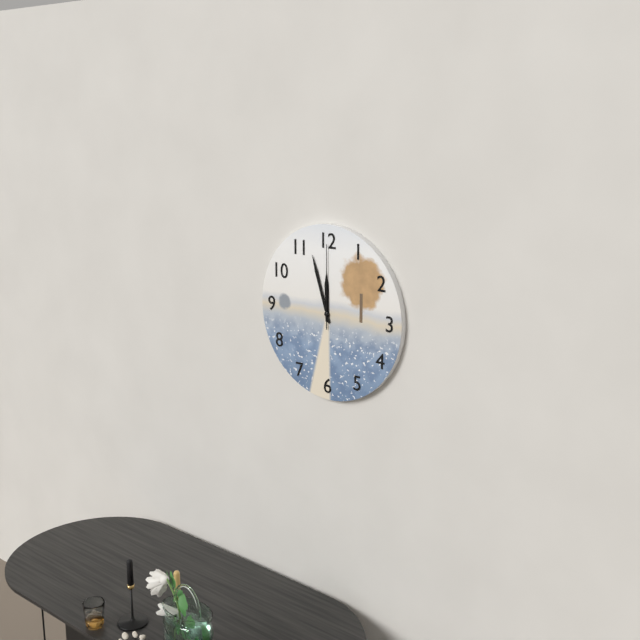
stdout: 11:57:00
